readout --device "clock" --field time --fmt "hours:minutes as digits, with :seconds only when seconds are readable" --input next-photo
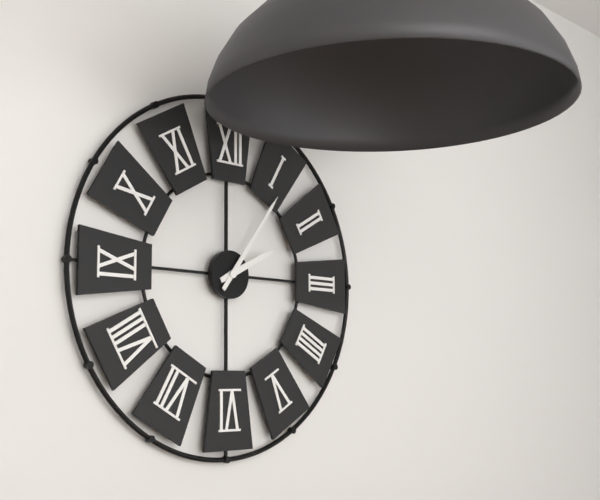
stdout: 2:06
